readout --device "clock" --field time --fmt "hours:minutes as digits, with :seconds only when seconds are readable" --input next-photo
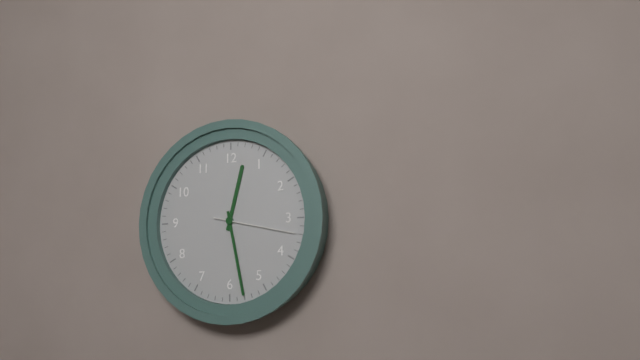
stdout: 12:28:17
